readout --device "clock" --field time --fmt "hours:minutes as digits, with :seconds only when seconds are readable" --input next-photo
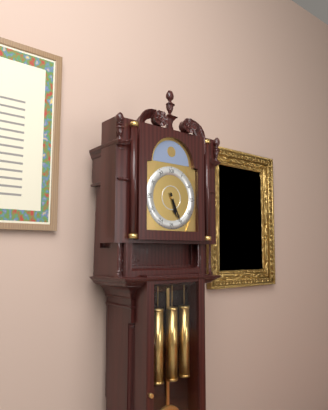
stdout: 5:26
